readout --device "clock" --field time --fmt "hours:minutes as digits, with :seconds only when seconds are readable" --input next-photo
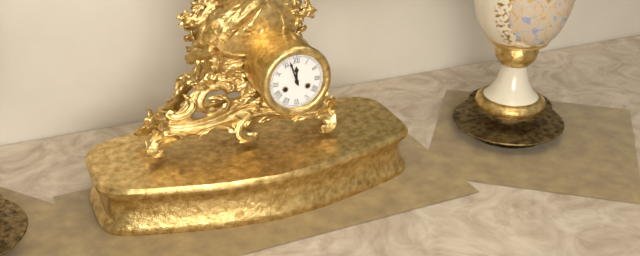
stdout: 11:57
